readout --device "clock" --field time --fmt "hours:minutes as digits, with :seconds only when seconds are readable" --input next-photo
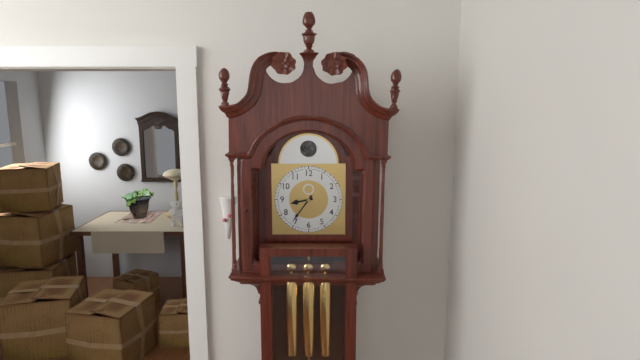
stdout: 8:36
